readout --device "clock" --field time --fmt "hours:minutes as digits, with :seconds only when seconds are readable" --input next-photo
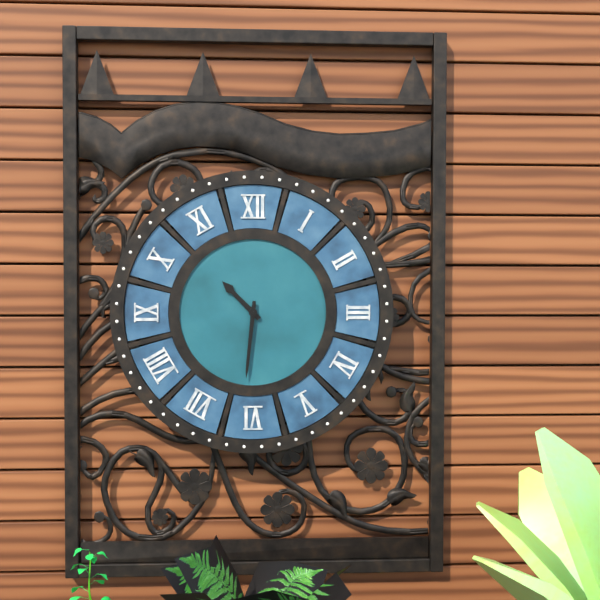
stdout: 10:31
